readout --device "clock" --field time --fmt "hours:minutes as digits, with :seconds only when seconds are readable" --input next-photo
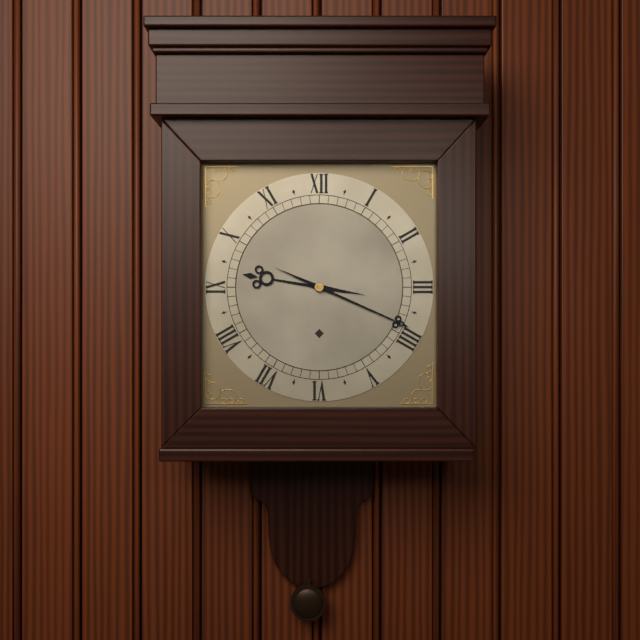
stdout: 9:19
